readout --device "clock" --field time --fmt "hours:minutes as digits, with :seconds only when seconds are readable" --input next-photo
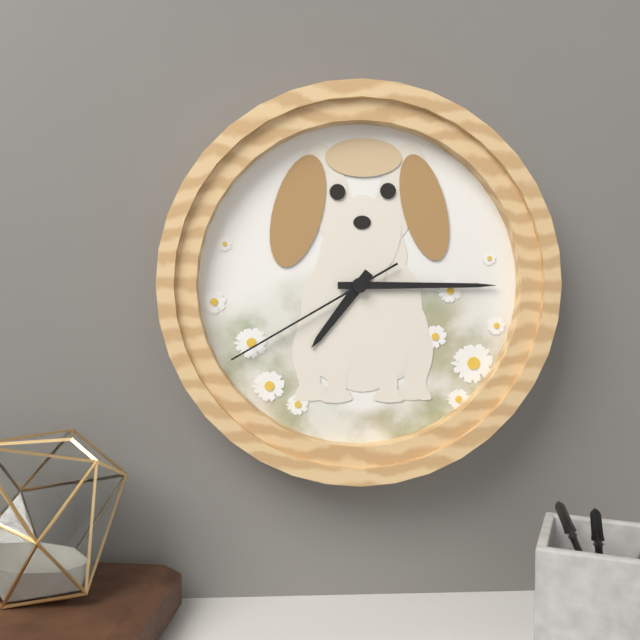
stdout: 7:15:40
